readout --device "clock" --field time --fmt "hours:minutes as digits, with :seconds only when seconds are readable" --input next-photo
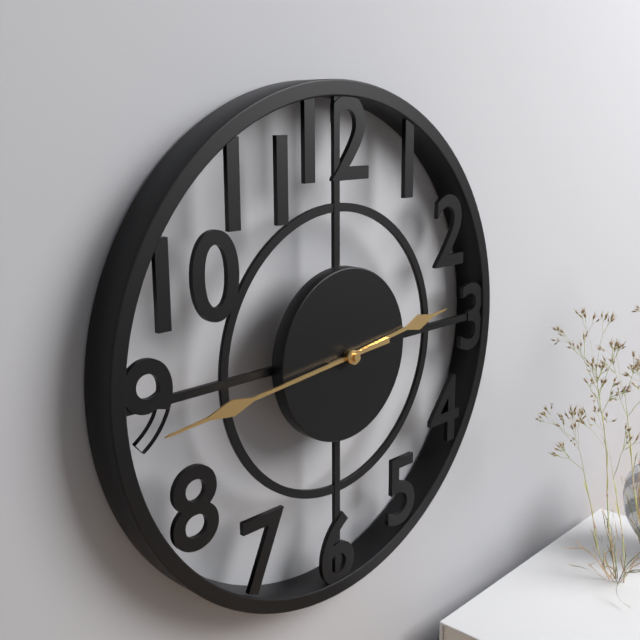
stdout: 2:44
